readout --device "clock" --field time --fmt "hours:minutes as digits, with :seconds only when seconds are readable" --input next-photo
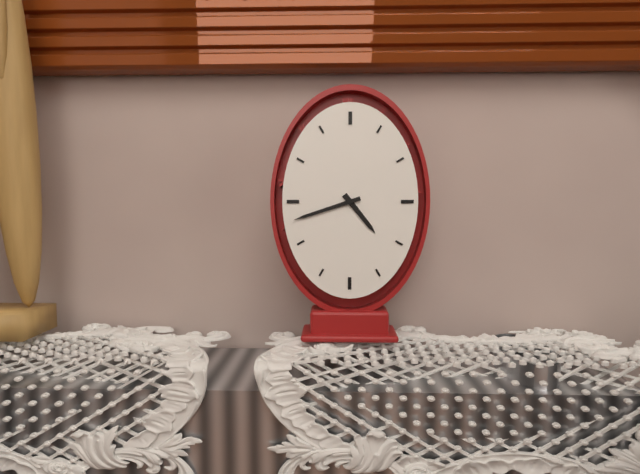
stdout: 4:42
